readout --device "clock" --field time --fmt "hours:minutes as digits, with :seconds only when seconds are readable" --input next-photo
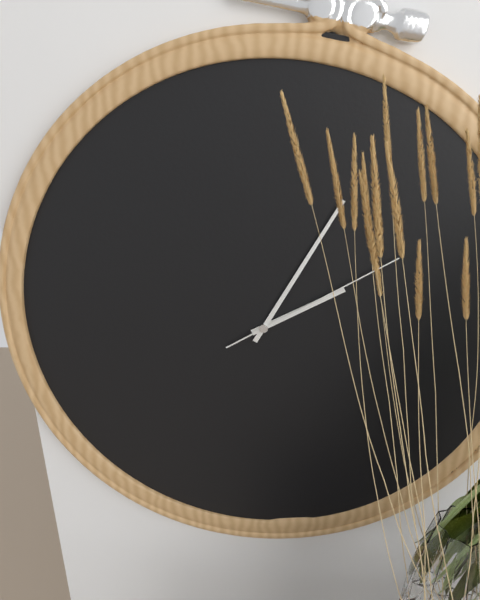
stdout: 2:05:10
